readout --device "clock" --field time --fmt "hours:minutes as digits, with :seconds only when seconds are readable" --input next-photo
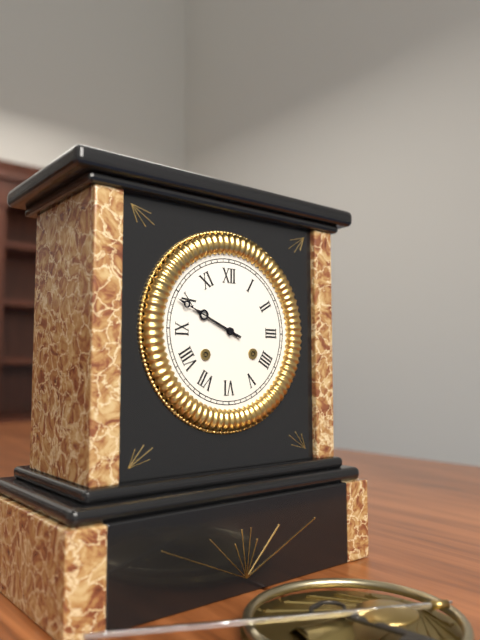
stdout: 9:49
